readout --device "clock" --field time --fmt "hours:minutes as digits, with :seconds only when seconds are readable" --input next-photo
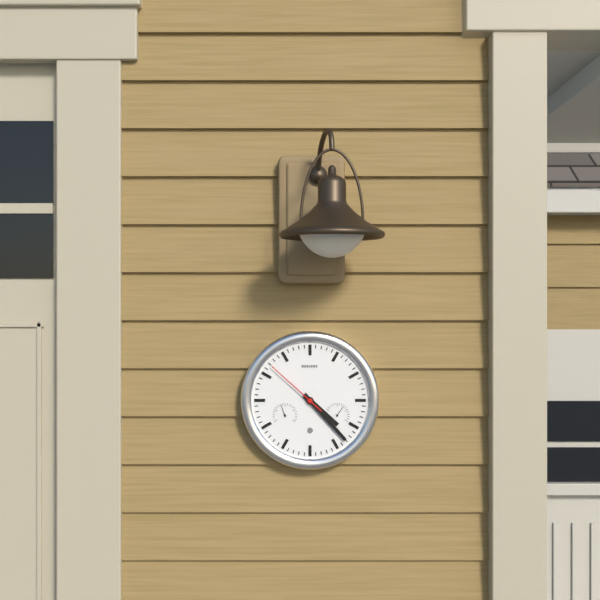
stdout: 4:23:52
